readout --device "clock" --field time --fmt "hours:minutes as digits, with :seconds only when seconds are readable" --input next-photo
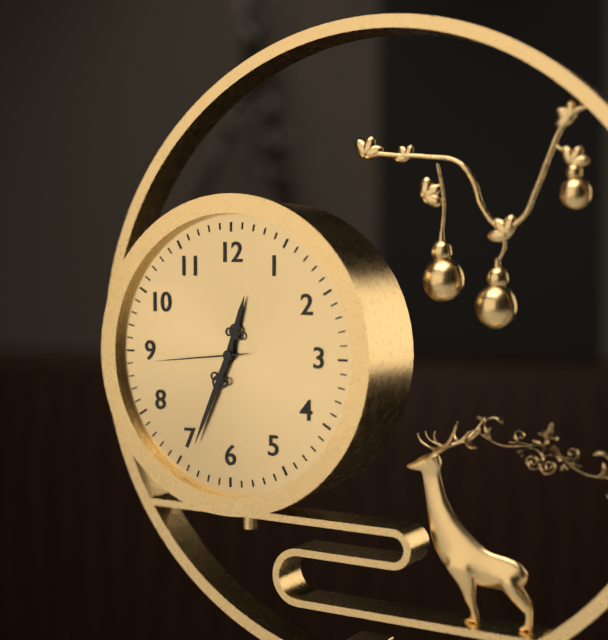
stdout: 12:34:44
